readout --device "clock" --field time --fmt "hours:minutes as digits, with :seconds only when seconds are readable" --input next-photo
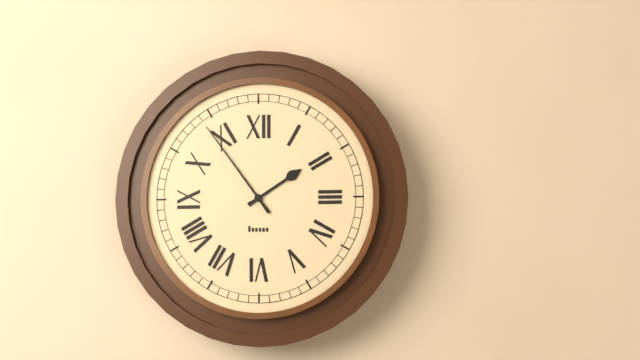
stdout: 1:54
